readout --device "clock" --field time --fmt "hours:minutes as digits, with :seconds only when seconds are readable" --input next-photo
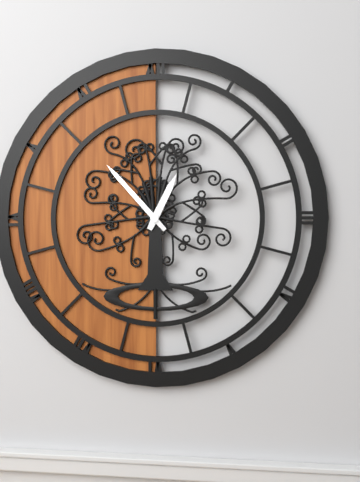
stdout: 12:53
